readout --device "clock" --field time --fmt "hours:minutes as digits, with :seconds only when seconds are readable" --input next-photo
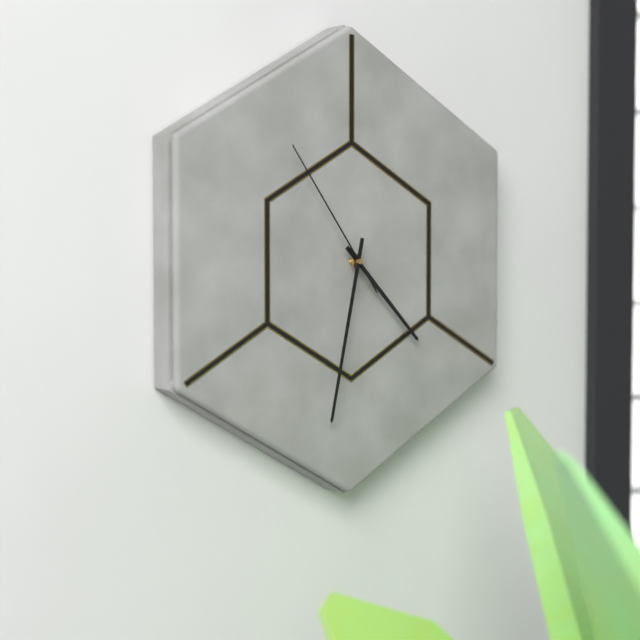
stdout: 4:32:54
